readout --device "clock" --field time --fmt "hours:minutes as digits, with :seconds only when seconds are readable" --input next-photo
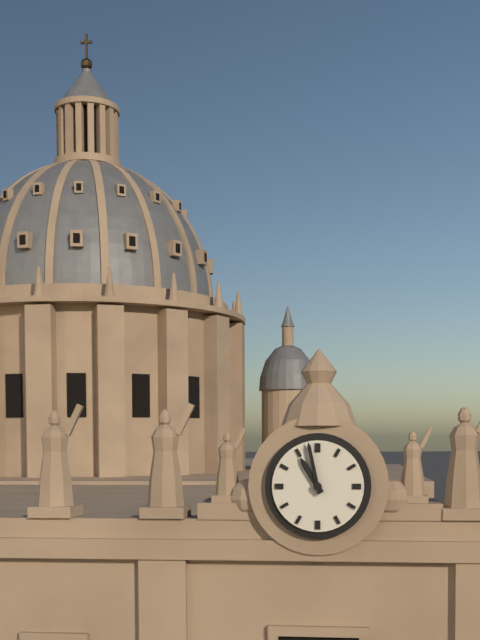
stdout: 10:58
